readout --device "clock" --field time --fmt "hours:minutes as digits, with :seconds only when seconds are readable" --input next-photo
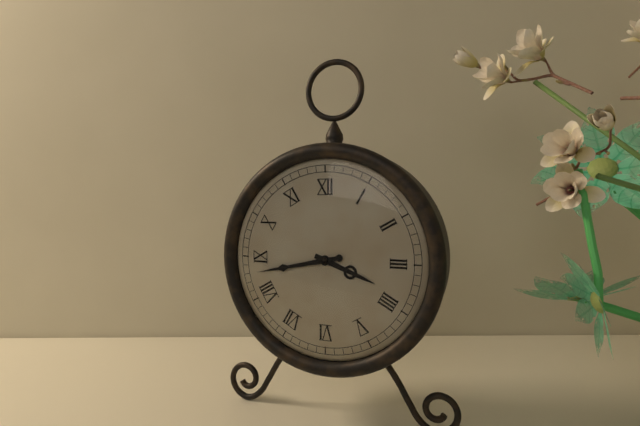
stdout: 3:43
